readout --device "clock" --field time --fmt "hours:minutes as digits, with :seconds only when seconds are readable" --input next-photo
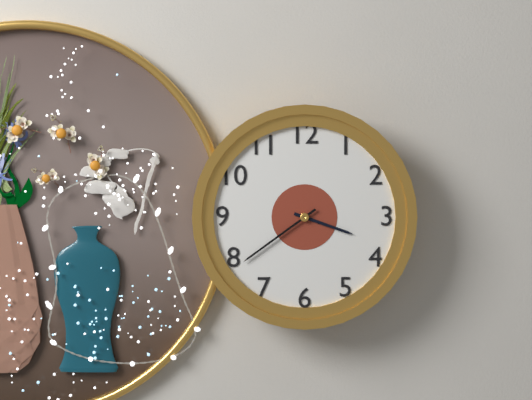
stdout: 3:39
